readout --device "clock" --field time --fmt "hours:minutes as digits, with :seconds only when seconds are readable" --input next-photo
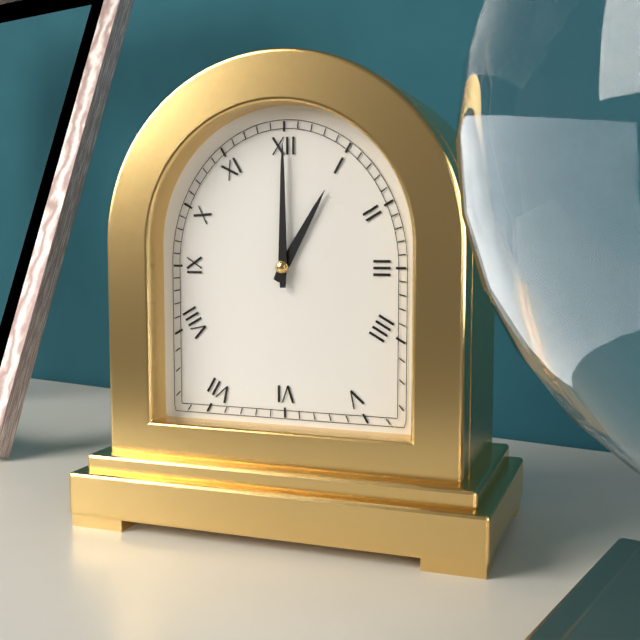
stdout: 1:00
